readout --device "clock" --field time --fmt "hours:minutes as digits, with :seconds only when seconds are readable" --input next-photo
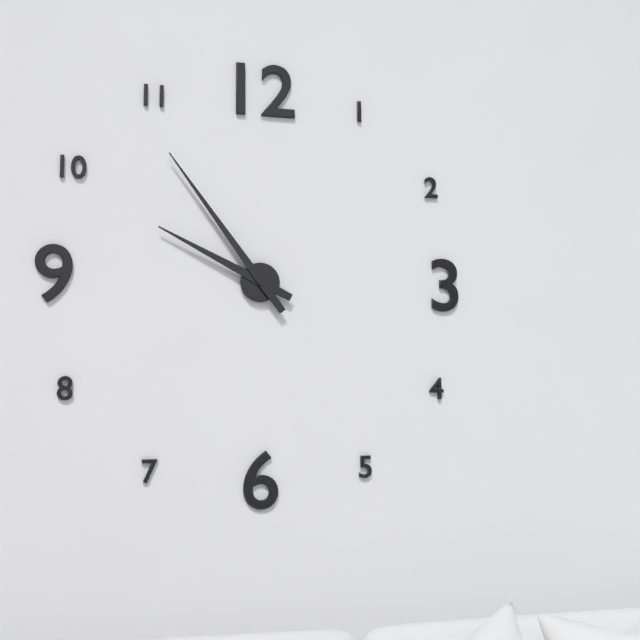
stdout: 9:54
